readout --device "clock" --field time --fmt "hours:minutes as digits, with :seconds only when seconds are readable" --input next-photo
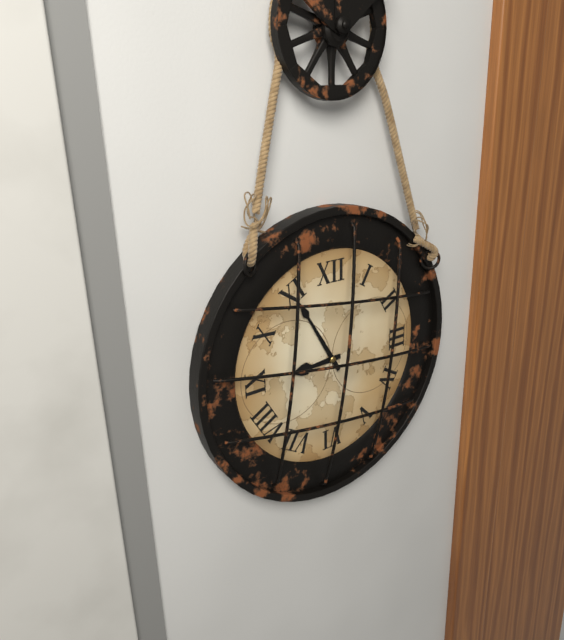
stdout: 8:55
